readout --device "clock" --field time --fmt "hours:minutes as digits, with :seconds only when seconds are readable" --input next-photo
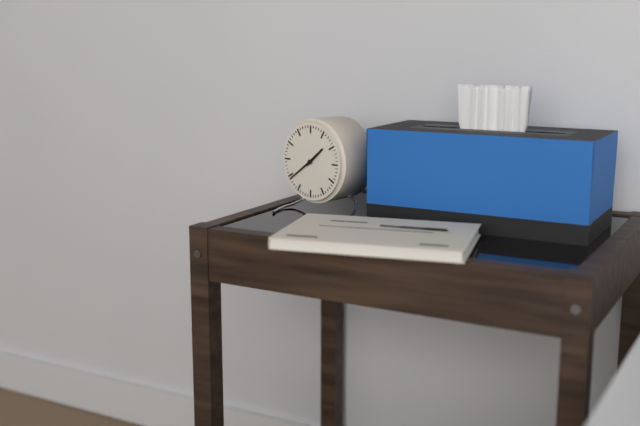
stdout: 1:39
